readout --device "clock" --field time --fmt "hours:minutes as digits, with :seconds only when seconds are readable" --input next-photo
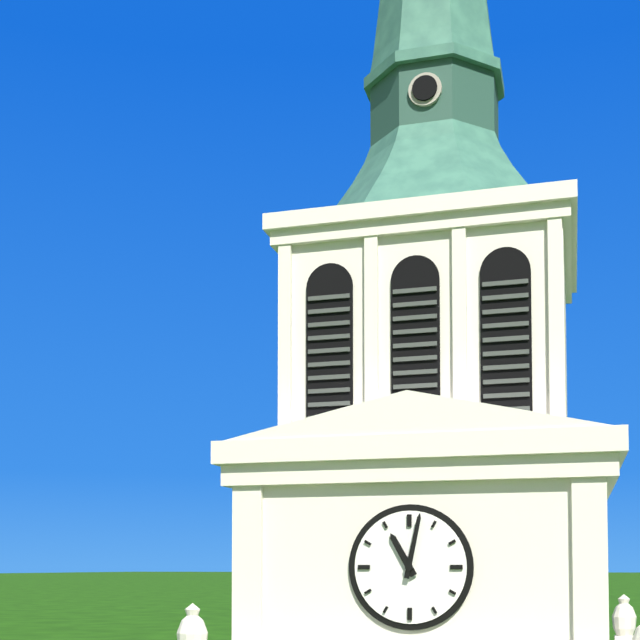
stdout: 11:02
